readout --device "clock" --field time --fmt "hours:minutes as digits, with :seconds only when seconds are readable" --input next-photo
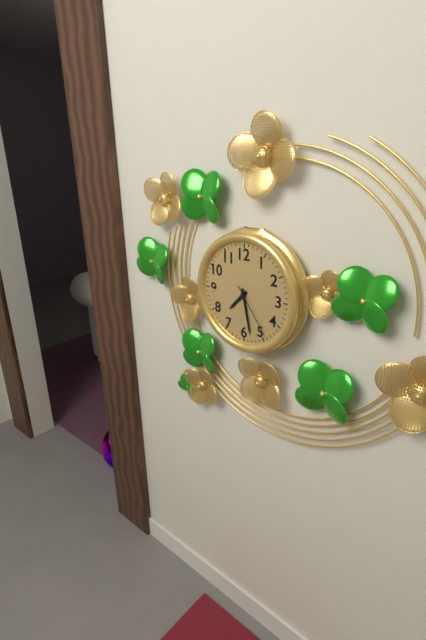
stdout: 7:28:24
